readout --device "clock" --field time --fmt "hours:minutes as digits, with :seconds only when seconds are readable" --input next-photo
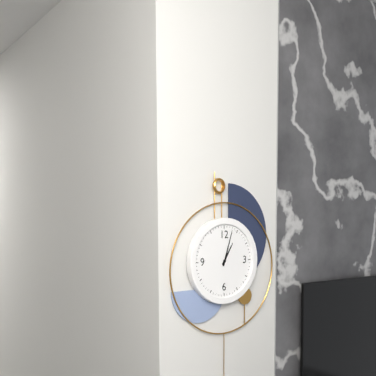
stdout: 1:03
